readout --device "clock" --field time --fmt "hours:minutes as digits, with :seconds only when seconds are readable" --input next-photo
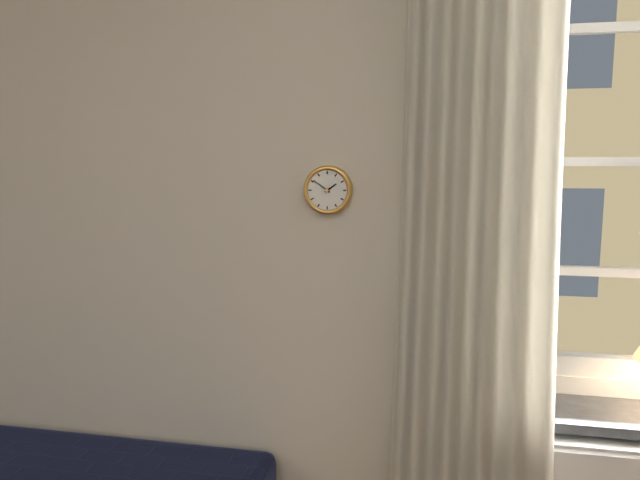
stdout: 1:51
